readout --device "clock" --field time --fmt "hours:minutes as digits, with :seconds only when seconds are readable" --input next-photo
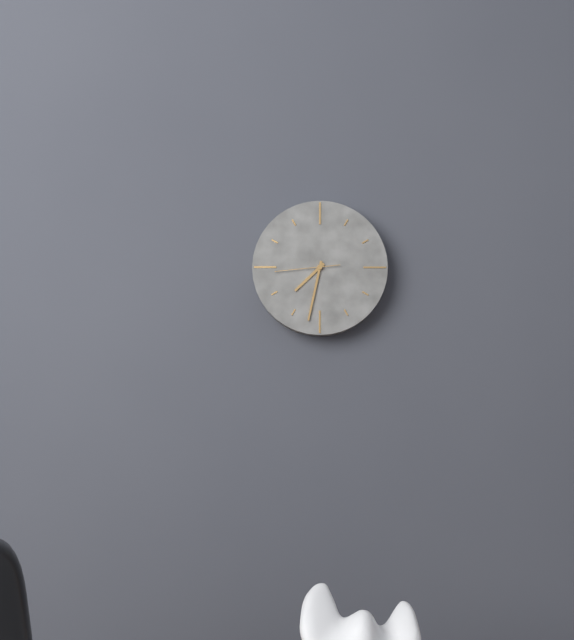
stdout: 7:32:44
